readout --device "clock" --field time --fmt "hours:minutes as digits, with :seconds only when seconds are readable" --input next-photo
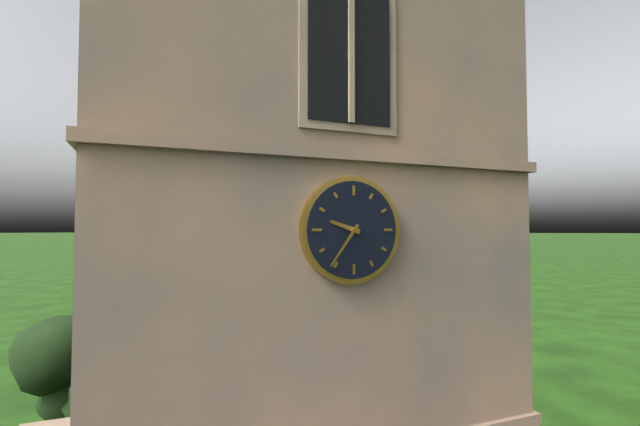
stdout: 9:36
